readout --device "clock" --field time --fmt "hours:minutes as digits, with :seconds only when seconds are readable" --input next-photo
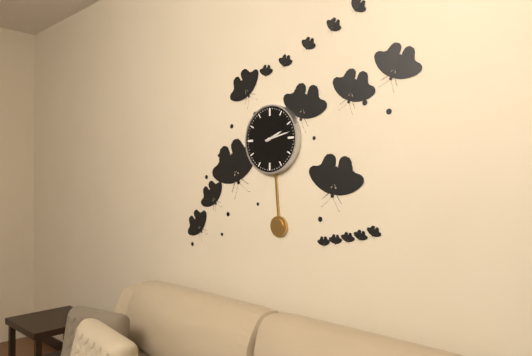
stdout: 2:13
